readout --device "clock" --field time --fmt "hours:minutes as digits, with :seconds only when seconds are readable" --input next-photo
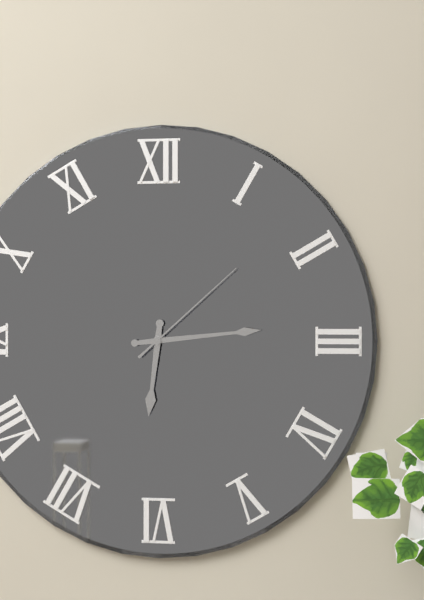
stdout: 6:14:08
